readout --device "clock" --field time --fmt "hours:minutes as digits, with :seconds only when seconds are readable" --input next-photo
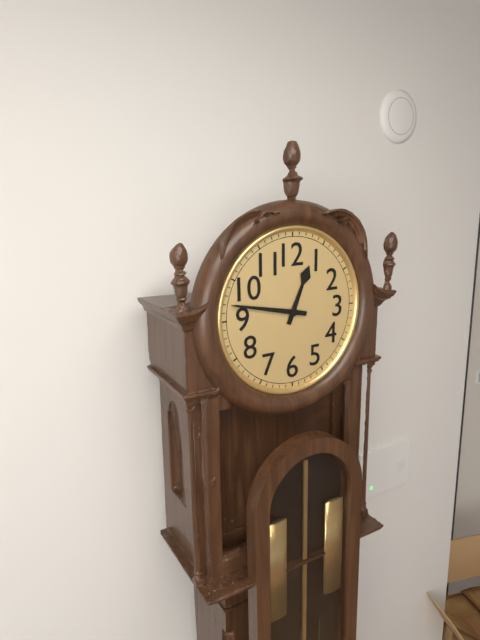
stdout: 12:47
